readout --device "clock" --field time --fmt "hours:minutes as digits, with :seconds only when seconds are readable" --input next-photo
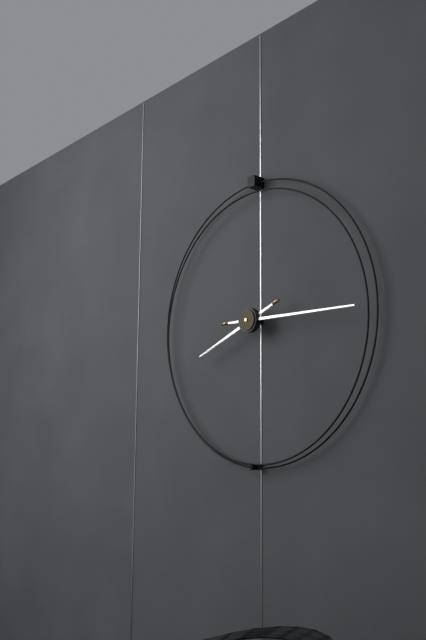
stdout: 8:15
